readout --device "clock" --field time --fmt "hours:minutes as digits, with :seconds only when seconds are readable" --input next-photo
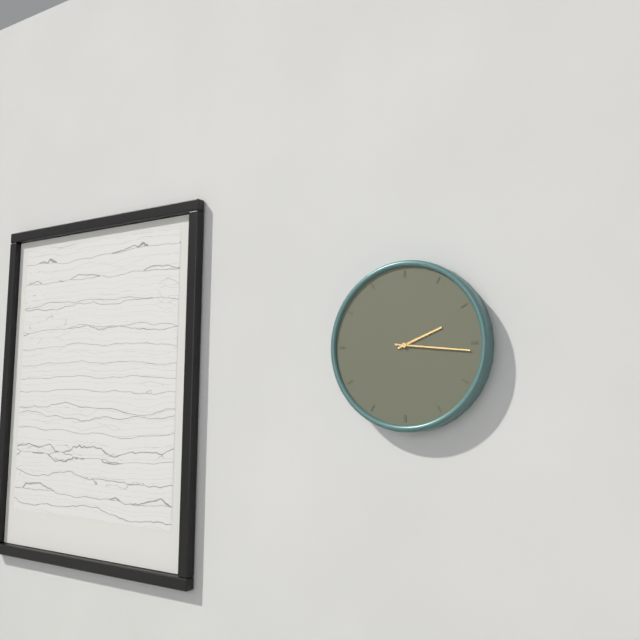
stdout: 2:16
